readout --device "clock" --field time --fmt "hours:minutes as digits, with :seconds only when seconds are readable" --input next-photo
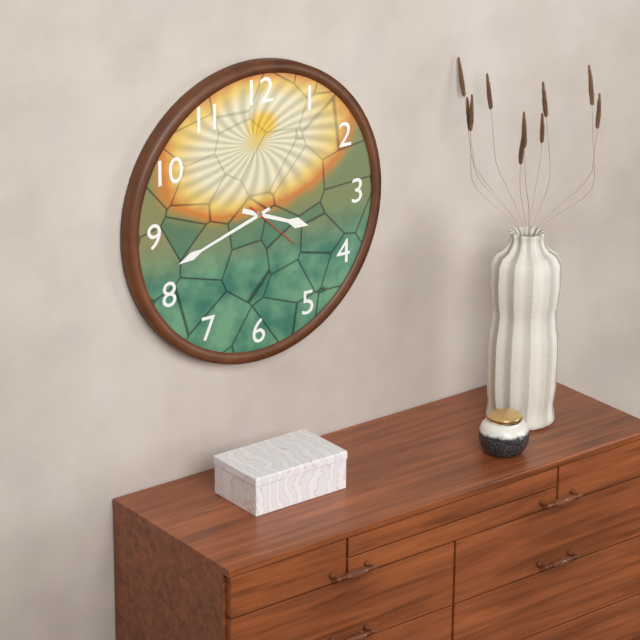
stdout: 3:42:22
